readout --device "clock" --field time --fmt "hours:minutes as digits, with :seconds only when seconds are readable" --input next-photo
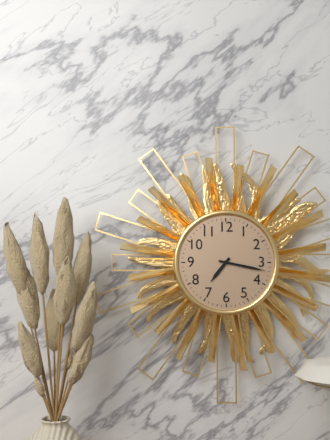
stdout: 7:17
